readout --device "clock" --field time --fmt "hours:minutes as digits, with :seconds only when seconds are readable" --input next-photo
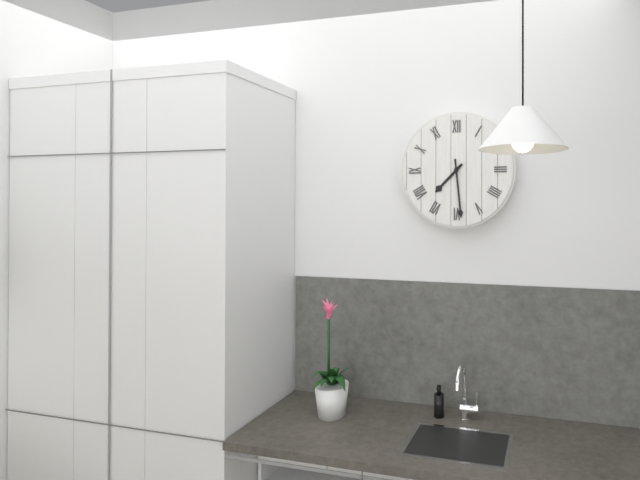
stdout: 7:29
